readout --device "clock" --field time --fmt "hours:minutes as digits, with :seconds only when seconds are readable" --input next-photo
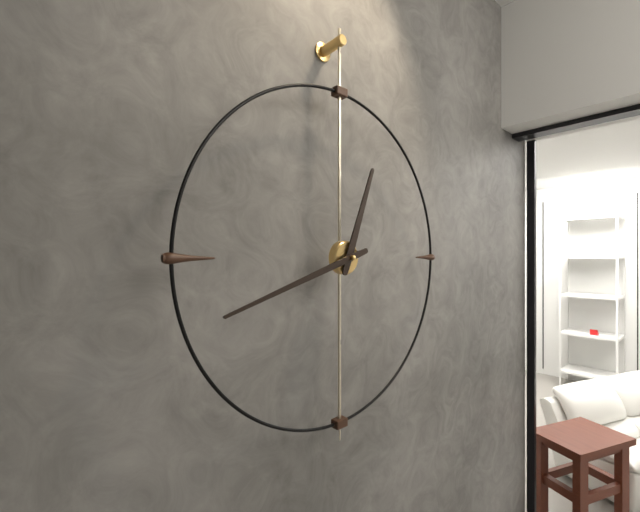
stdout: 12:42
